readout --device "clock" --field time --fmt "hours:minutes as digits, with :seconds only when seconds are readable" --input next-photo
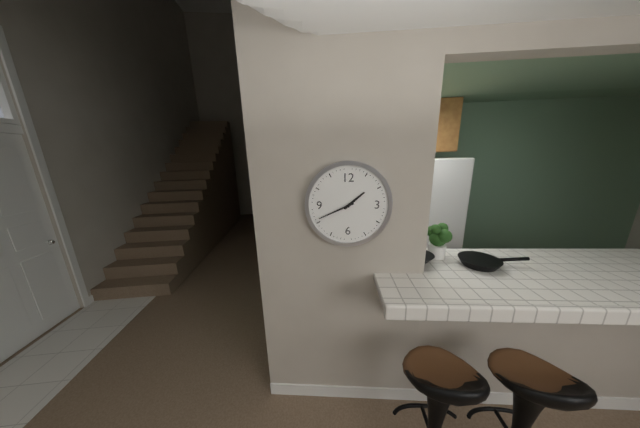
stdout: 1:41
